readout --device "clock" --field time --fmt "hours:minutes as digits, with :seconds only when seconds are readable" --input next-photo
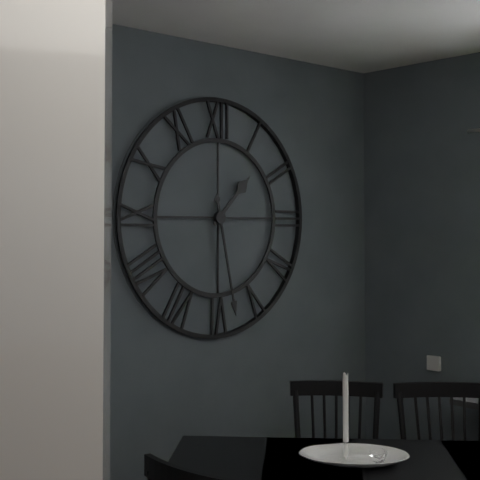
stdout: 1:28
